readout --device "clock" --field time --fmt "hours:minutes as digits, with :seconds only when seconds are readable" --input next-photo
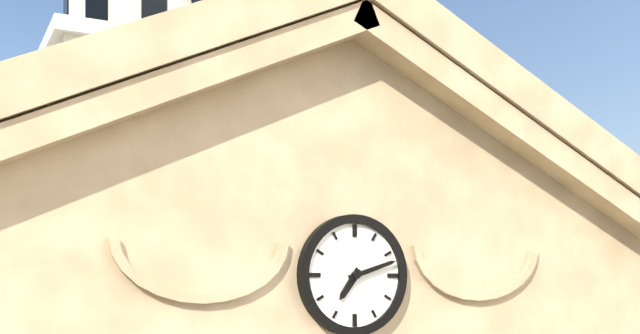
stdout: 7:12
